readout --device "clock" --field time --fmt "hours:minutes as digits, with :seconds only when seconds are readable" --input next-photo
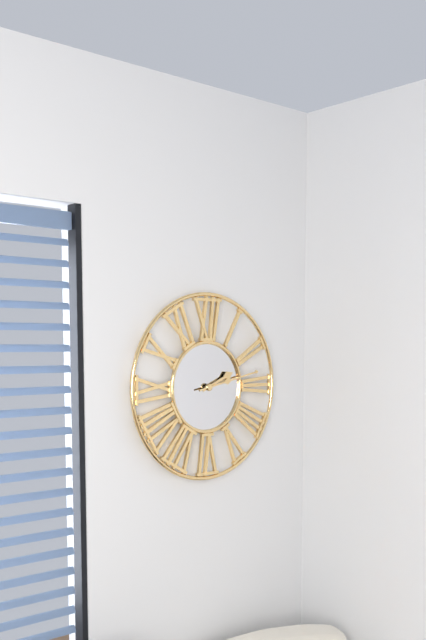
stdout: 2:13
